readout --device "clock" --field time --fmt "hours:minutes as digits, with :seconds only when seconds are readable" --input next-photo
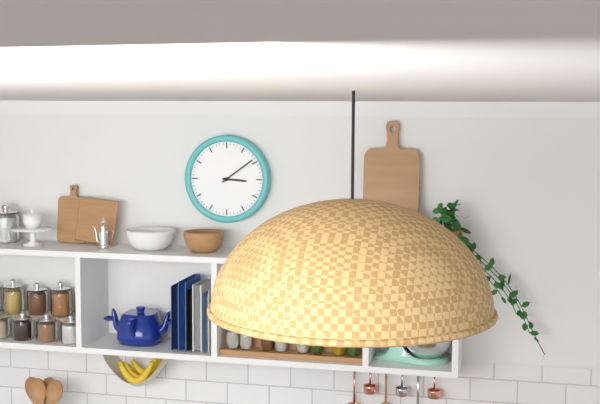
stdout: 3:09
